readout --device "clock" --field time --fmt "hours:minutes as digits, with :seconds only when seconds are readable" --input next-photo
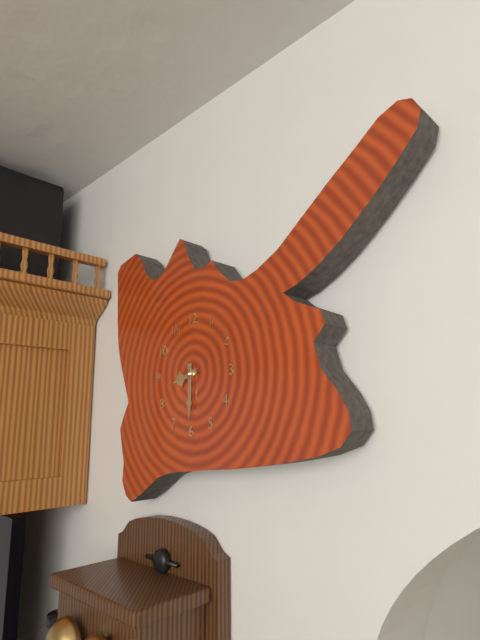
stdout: 8:30
